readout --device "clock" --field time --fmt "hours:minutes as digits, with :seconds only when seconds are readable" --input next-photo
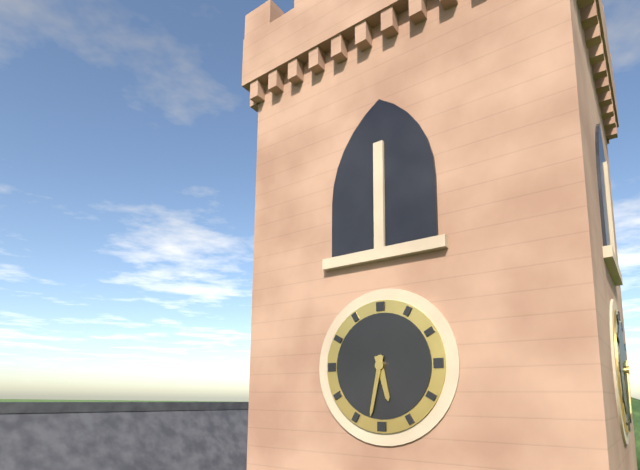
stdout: 5:32
